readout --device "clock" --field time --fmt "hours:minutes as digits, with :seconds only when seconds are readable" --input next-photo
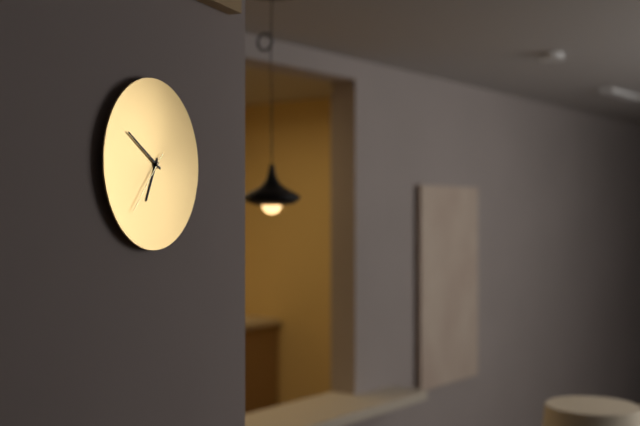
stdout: 6:50:37
